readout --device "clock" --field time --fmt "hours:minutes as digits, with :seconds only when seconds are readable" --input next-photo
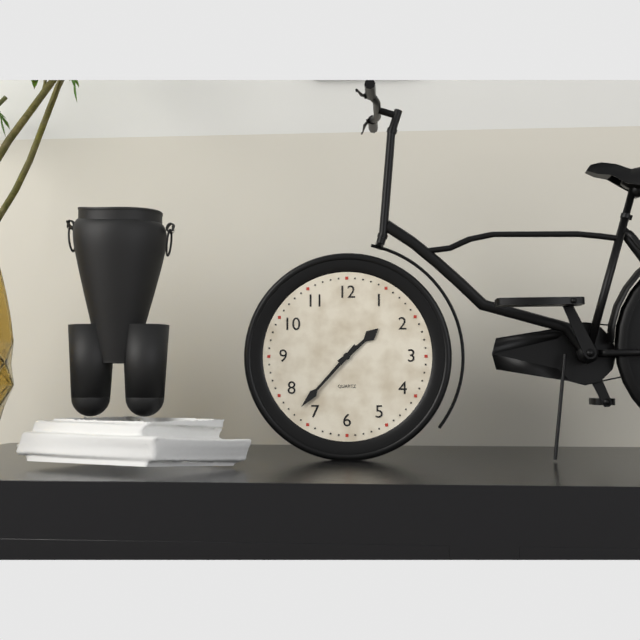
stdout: 1:37
